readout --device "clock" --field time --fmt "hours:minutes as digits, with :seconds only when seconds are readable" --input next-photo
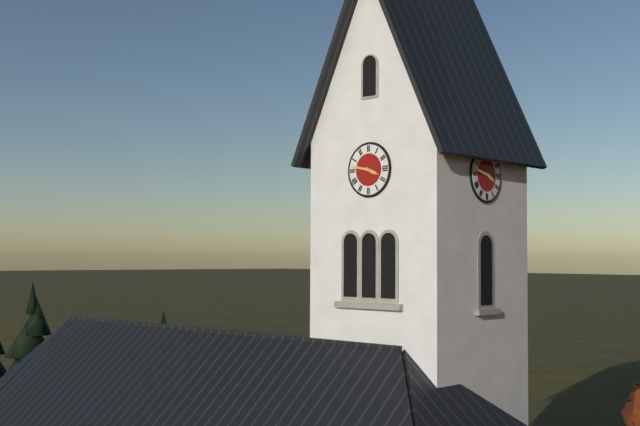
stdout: 3:47
